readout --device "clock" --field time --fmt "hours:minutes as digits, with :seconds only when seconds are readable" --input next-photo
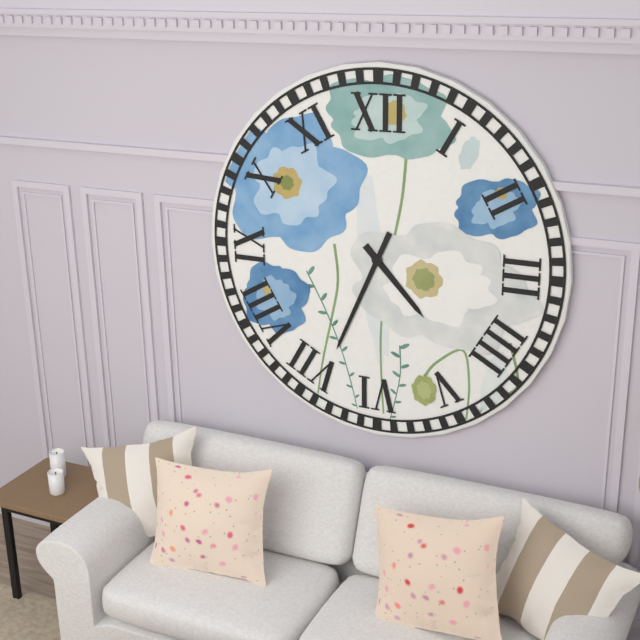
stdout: 4:34
